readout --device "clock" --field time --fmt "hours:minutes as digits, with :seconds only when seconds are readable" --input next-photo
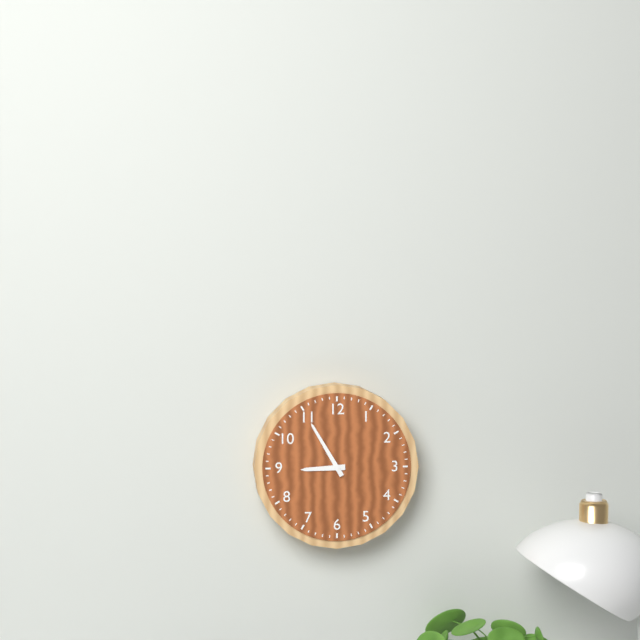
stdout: 8:55
